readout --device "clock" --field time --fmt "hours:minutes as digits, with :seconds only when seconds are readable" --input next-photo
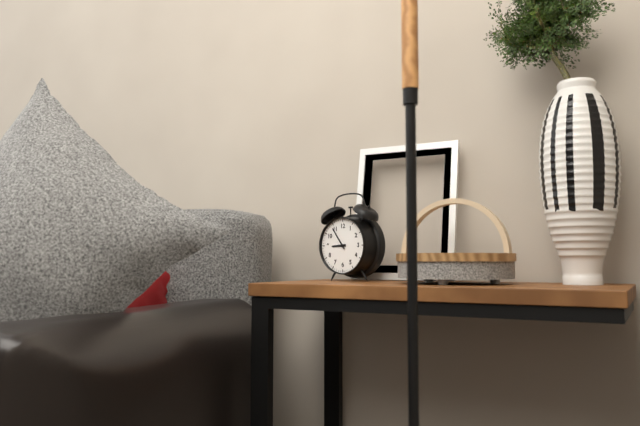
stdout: 8:54
